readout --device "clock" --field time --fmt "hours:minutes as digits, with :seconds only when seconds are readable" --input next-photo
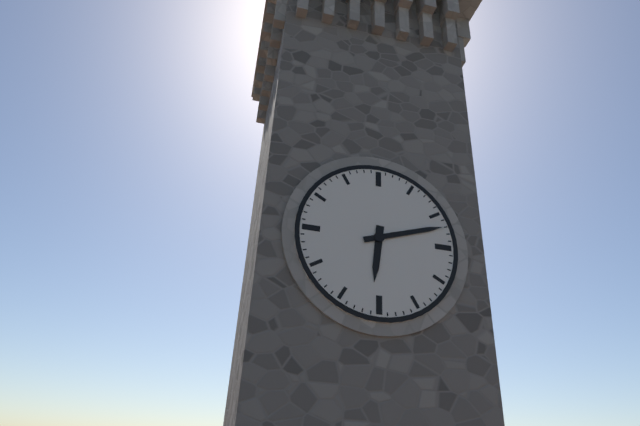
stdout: 6:12
